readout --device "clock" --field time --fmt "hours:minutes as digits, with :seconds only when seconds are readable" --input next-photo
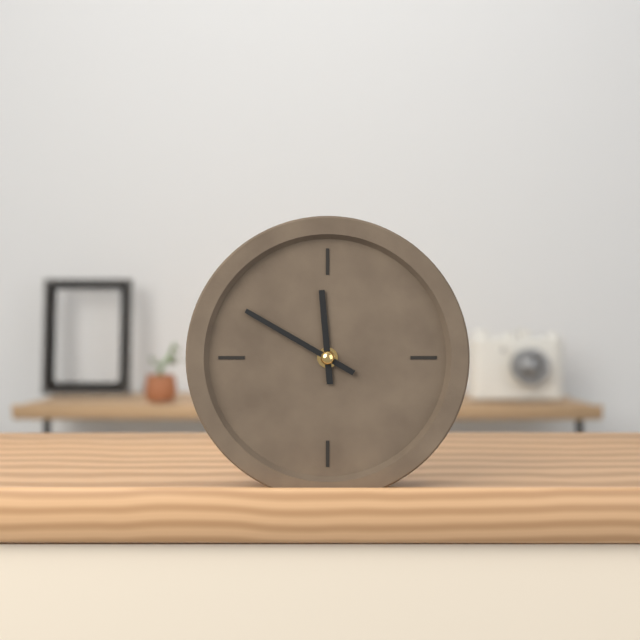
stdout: 11:50
